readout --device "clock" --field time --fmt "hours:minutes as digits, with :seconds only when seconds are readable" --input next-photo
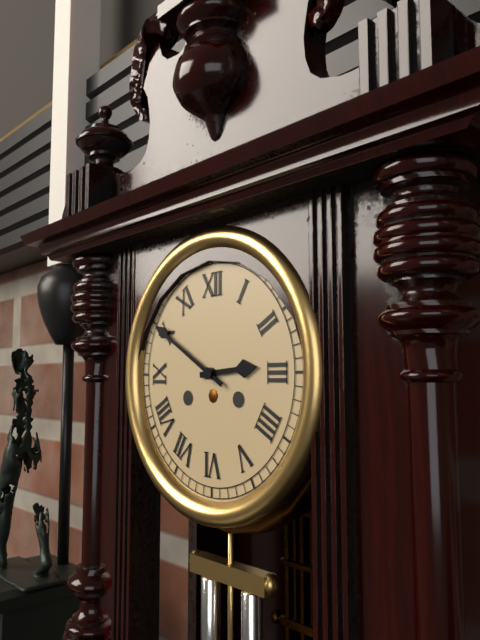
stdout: 2:50
